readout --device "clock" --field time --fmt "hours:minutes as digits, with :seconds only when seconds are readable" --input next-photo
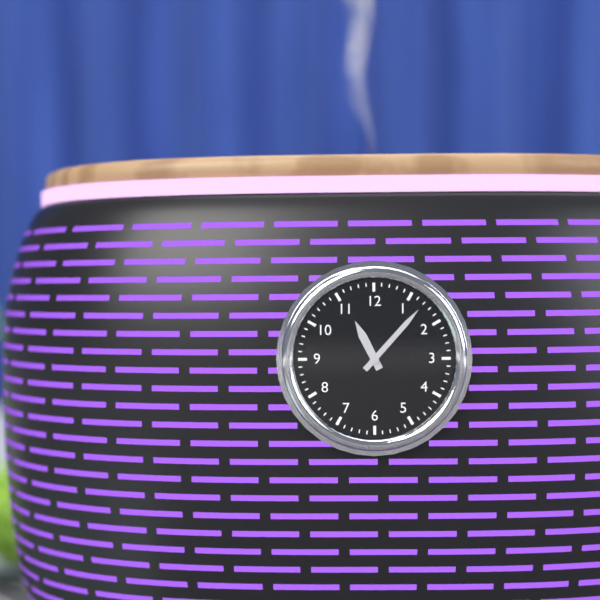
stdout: 11:07
